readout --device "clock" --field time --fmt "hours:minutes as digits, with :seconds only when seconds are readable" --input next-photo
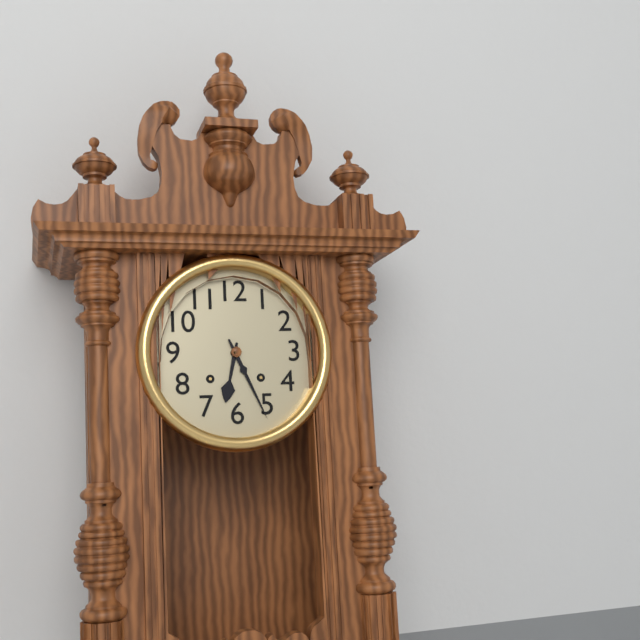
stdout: 6:26
